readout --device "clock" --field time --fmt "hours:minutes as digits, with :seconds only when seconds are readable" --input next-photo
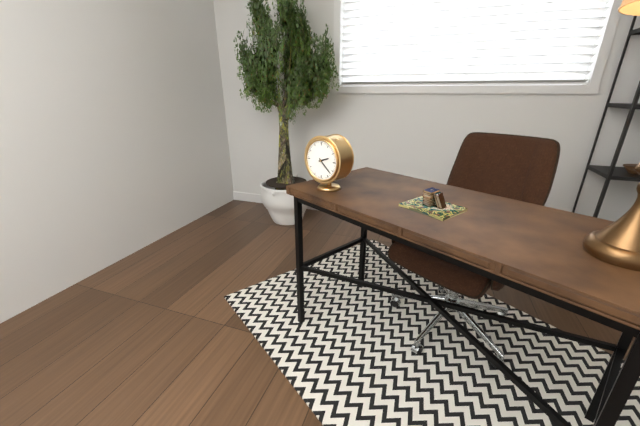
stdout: 2:22
